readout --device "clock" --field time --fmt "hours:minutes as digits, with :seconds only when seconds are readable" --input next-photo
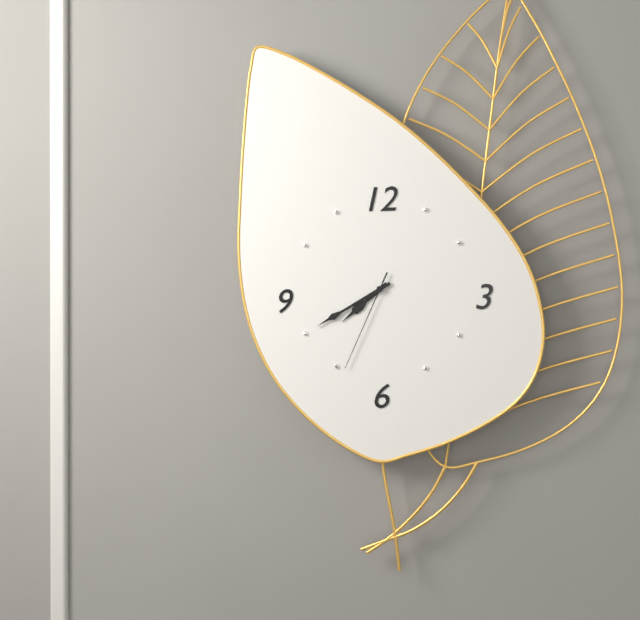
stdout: 7:40:34
